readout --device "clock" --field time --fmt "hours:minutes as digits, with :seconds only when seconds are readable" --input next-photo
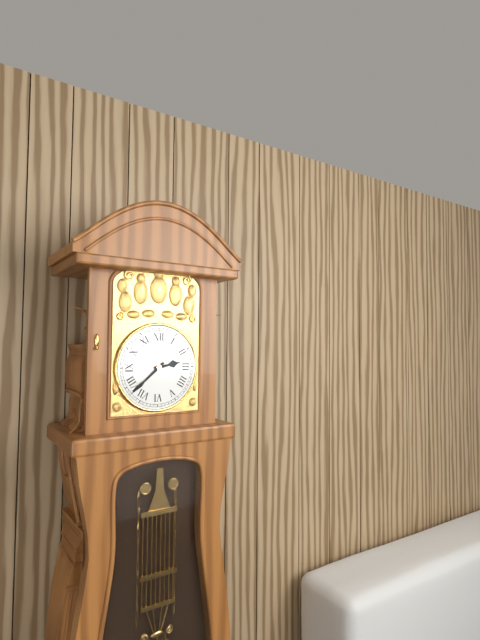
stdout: 2:38
